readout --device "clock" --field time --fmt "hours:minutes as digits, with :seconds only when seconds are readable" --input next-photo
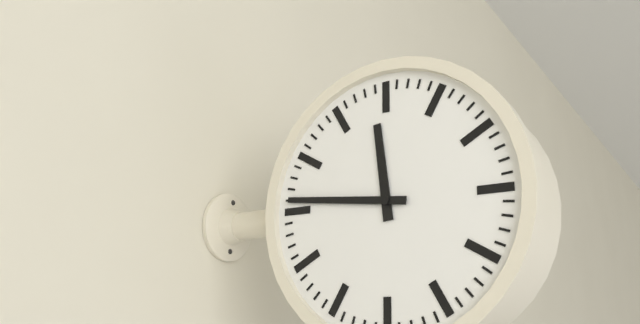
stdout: 11:46
